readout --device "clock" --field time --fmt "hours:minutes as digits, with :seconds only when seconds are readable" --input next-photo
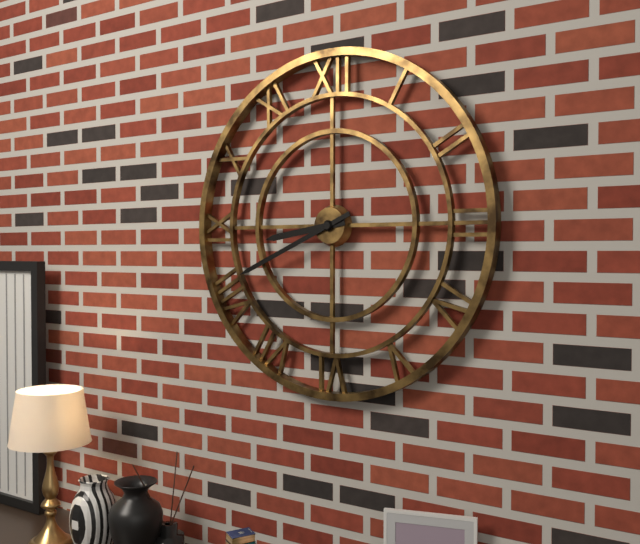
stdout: 8:41
